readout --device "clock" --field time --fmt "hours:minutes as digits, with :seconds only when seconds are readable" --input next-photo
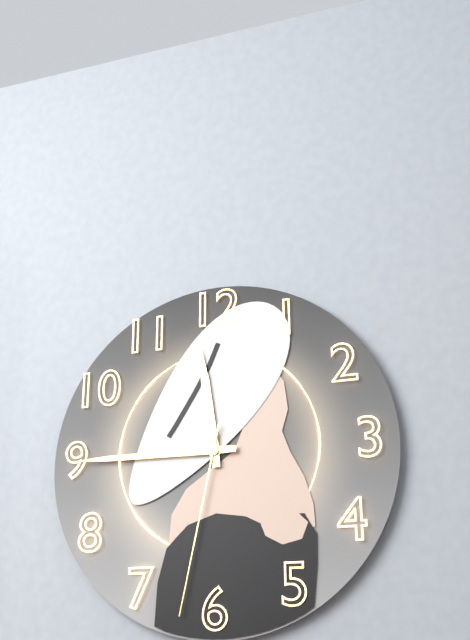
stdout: 11:45:32
